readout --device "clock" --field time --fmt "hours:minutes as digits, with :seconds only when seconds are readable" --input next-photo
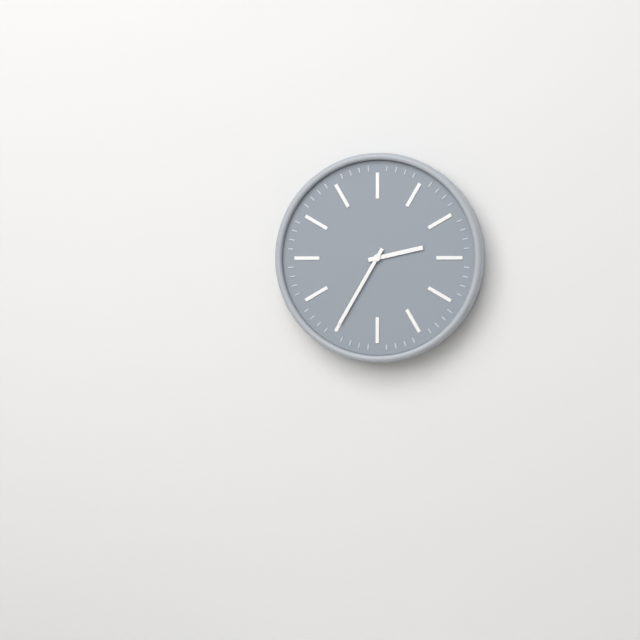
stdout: 2:35
